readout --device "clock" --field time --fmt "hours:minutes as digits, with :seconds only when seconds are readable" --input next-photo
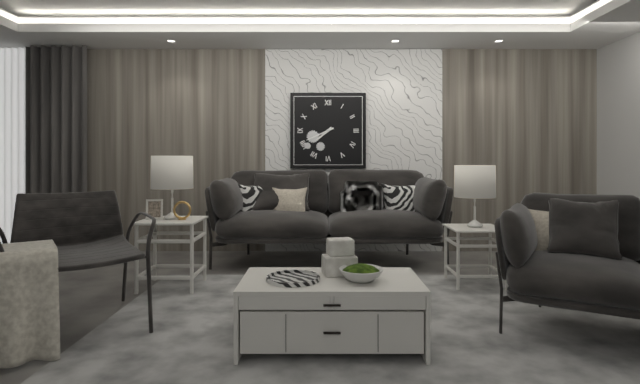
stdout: 7:41
